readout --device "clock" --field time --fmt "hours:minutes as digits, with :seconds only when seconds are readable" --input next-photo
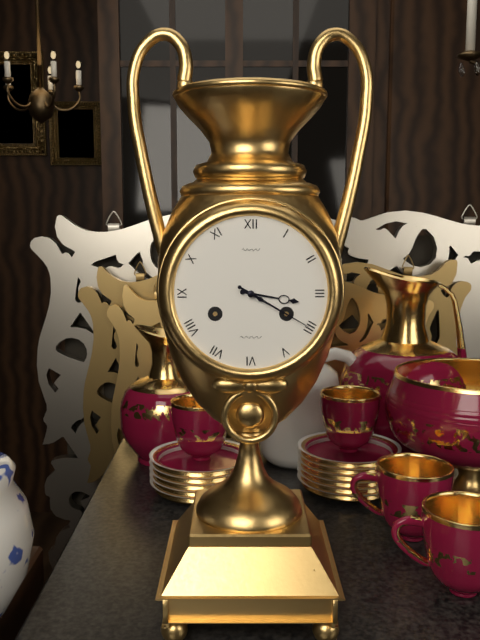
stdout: 3:20
